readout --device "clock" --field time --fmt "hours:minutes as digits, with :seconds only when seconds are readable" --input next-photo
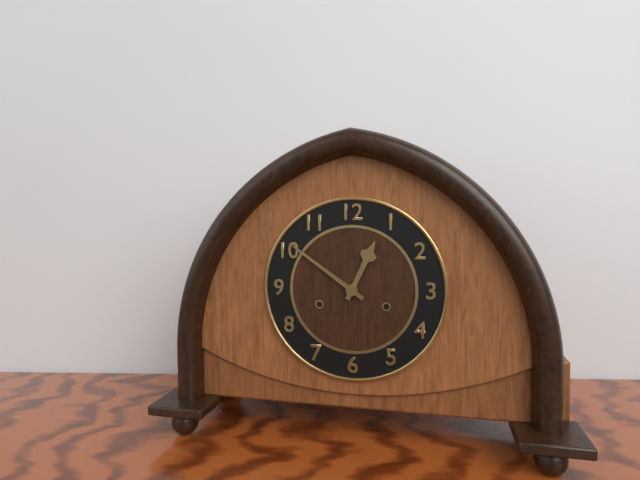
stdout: 12:51
